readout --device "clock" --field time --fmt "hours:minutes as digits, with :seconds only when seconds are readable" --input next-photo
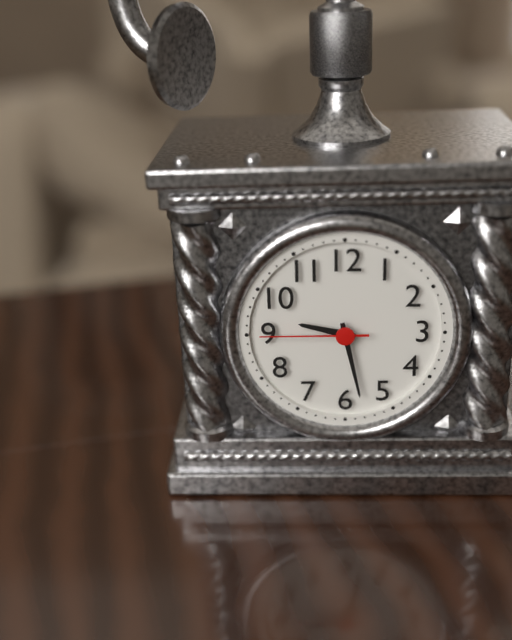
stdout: 9:28:45
